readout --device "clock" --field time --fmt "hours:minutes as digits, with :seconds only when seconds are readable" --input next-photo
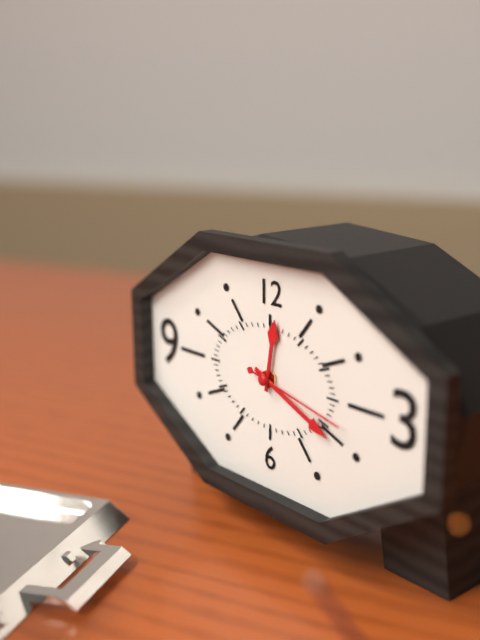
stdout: 12:19:17
